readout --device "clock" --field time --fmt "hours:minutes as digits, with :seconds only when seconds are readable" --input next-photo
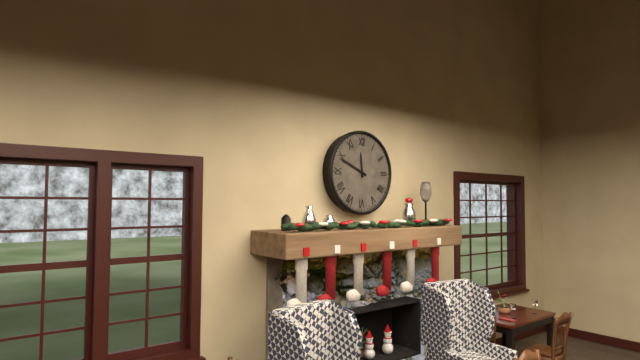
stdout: 11:49
